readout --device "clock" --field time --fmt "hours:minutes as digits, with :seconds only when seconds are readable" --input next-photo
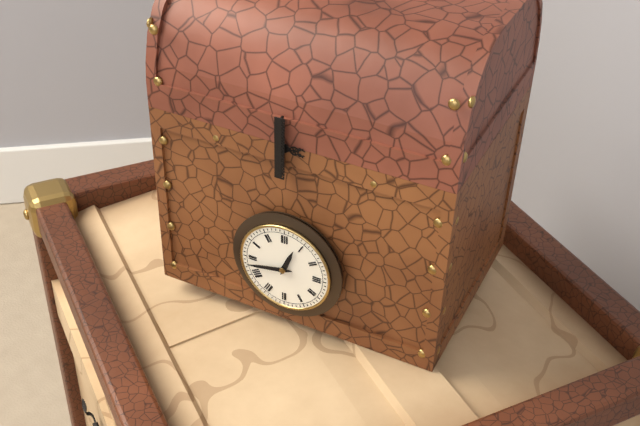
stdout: 12:43
